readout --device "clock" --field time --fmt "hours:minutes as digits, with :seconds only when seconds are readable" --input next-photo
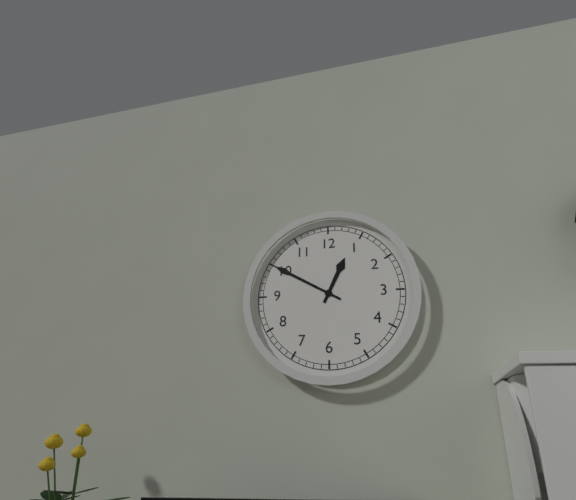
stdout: 12:50
